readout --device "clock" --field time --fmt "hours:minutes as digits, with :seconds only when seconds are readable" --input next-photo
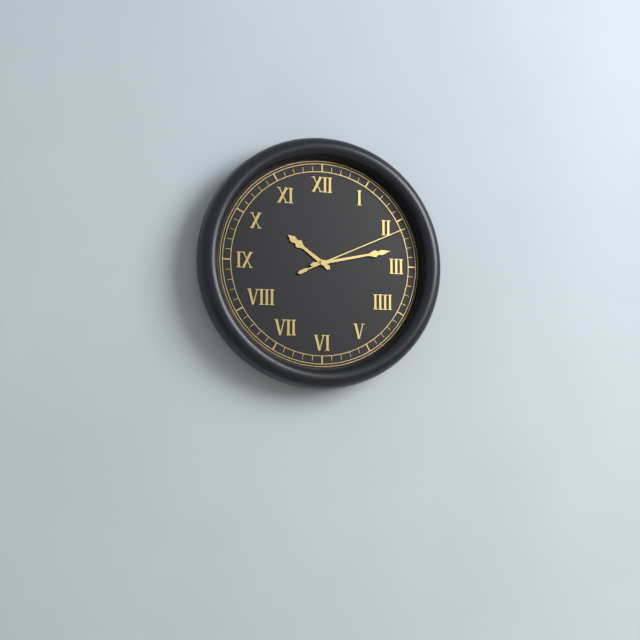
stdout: 10:13:11
